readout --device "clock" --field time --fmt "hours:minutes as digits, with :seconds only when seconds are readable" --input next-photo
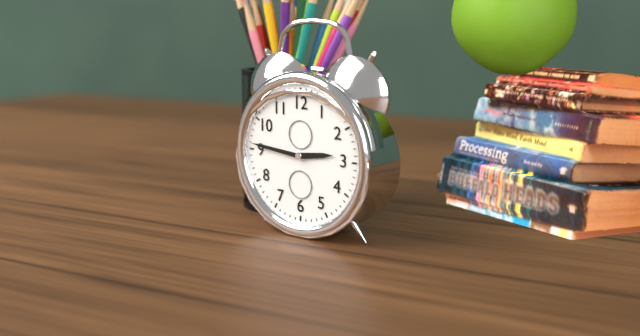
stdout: 2:46
